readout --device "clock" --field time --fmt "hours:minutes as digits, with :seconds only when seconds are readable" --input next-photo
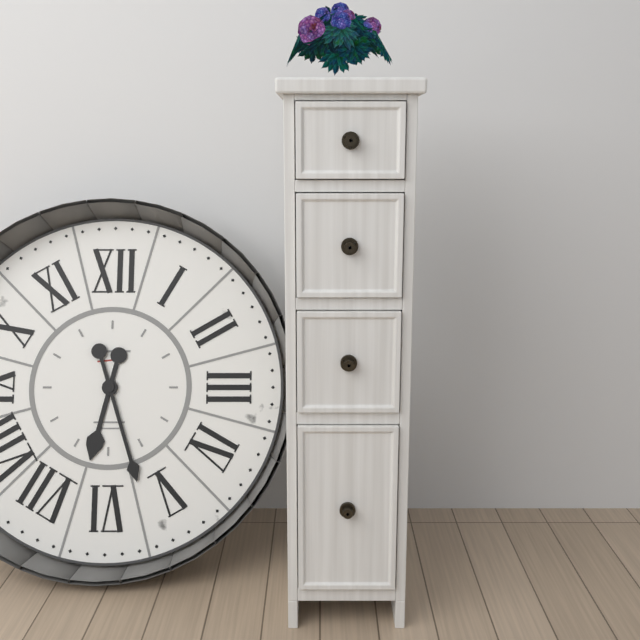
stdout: 6:27
